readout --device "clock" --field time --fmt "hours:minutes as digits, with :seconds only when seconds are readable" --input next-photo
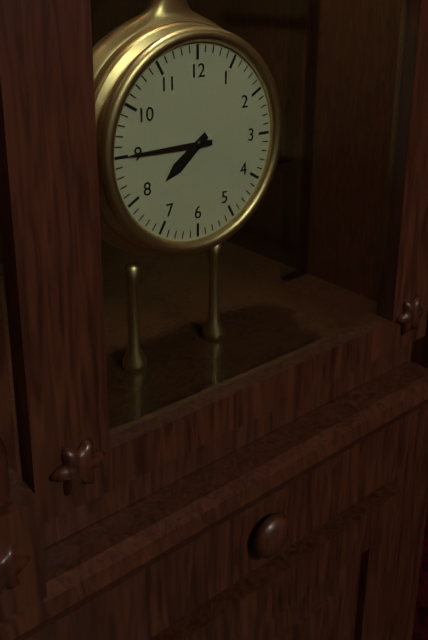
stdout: 7:45
